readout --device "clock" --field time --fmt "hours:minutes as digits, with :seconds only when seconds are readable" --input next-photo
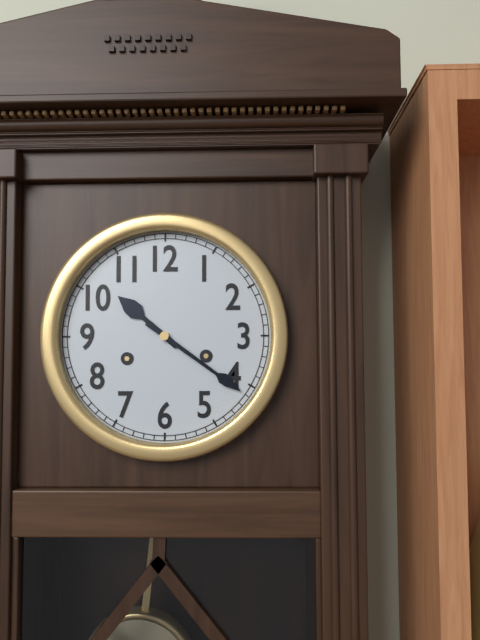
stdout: 10:21
